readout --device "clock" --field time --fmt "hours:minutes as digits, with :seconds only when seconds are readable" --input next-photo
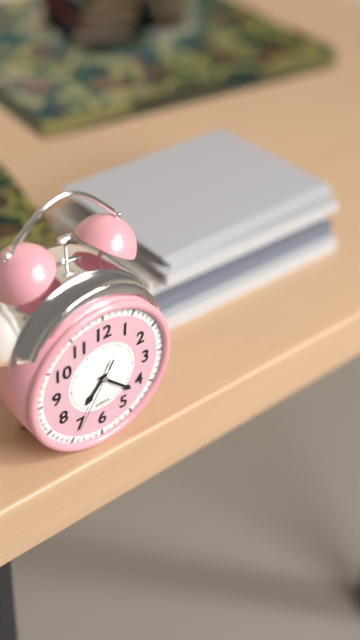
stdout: 7:22:35
